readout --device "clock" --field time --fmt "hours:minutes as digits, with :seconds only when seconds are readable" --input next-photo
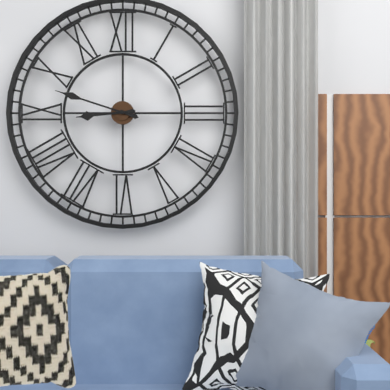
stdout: 8:48
